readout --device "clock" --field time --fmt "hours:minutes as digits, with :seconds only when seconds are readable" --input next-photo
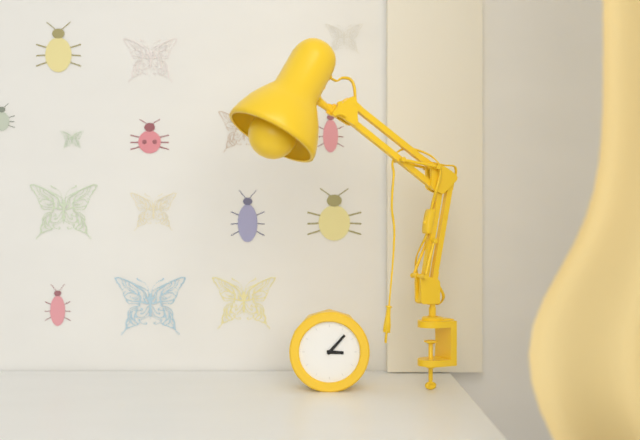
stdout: 3:07
